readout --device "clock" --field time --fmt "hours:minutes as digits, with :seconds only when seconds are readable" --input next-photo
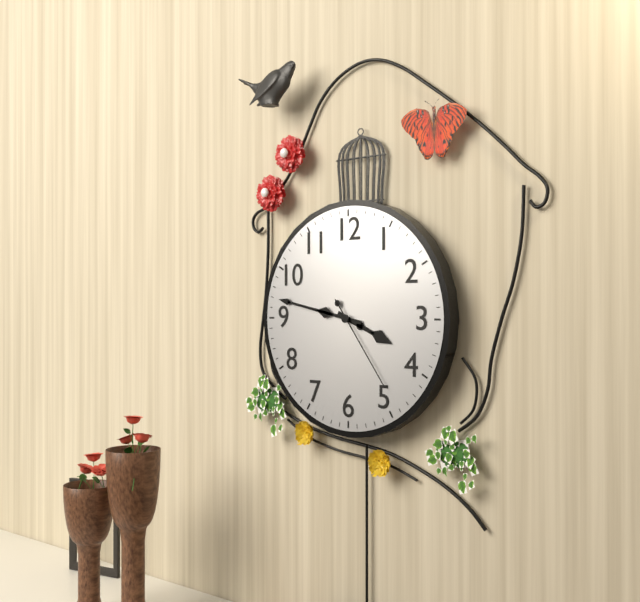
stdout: 3:47:24
